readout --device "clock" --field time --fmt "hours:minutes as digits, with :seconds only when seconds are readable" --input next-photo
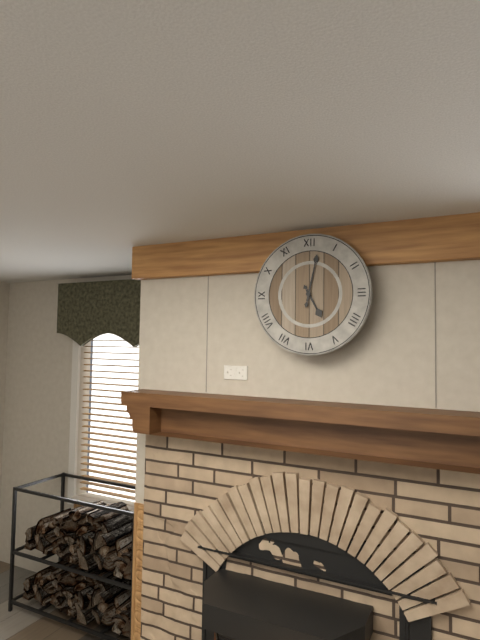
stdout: 5:02
